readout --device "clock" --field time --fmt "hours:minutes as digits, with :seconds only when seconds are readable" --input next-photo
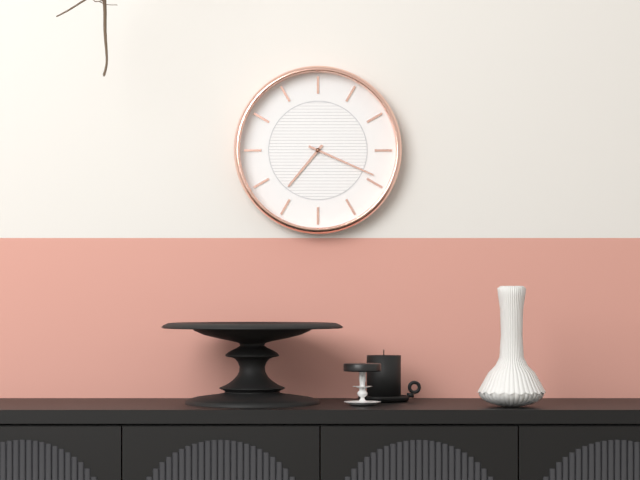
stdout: 7:19
